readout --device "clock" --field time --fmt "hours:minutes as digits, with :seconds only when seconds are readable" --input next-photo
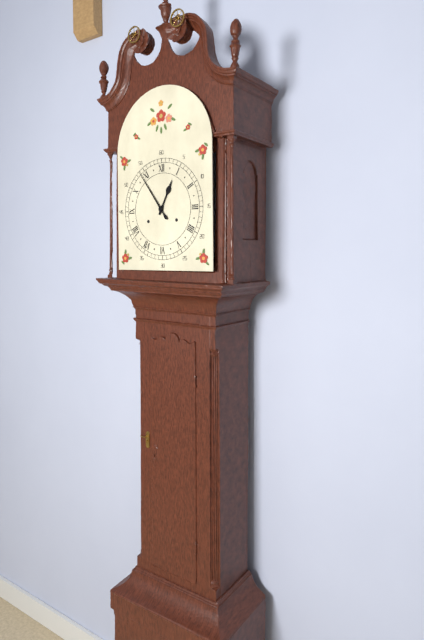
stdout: 12:54
